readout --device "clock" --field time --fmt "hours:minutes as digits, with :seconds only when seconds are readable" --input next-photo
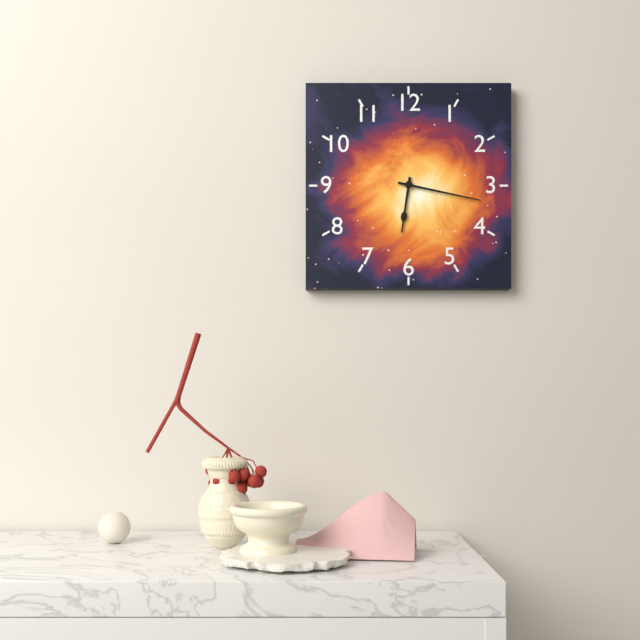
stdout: 6:17
